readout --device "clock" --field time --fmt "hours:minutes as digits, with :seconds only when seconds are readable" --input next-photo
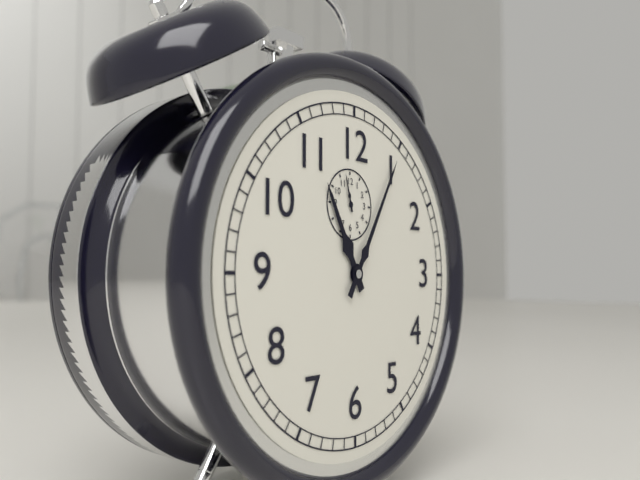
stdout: 11:05
